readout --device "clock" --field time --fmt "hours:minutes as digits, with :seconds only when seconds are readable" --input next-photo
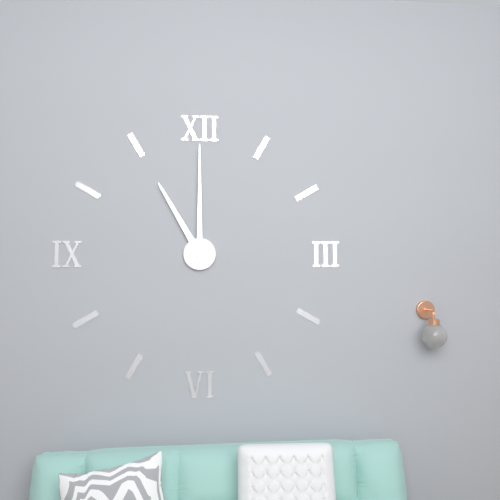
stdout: 11:00
